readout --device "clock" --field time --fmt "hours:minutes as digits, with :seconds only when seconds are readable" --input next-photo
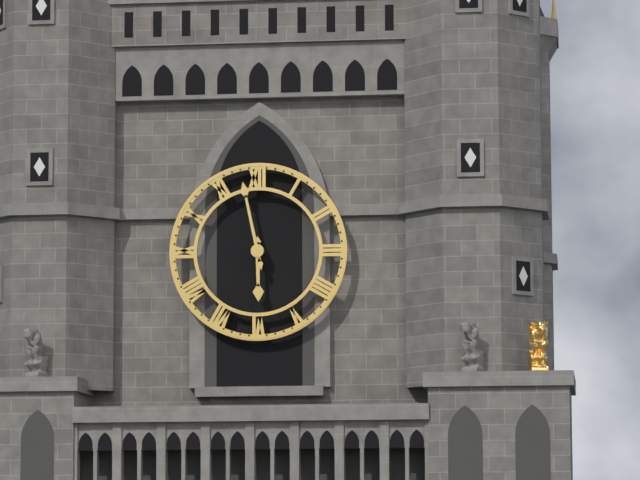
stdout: 5:58
